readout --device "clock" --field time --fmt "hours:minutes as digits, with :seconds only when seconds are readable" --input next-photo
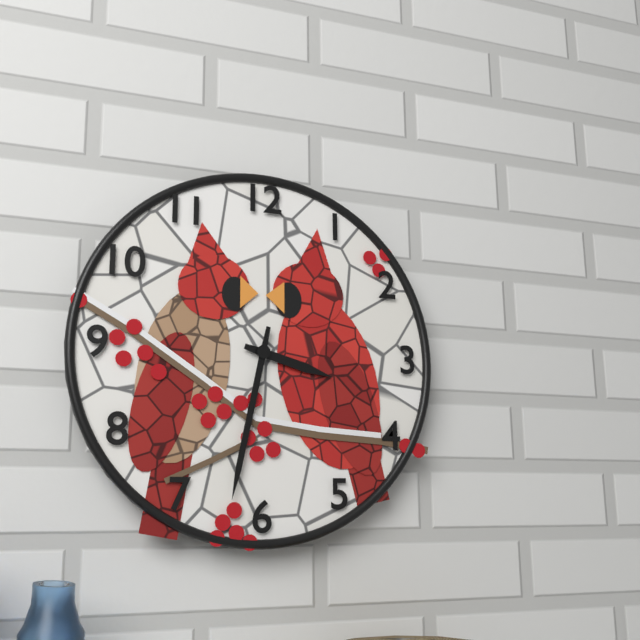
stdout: 3:32
